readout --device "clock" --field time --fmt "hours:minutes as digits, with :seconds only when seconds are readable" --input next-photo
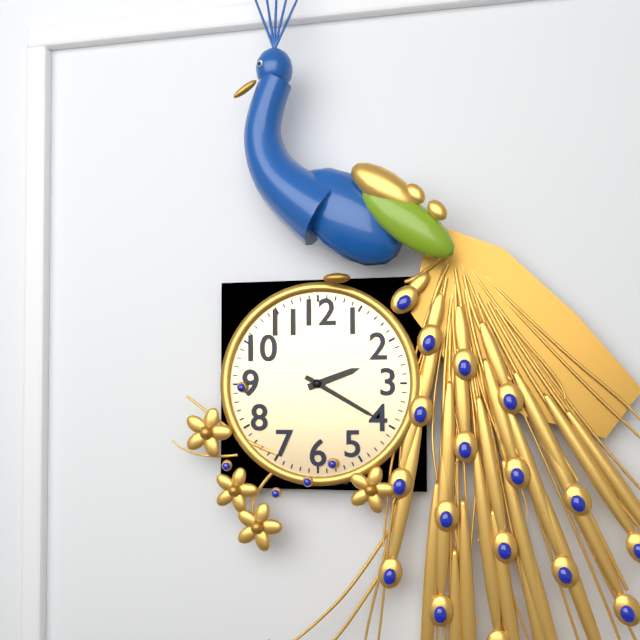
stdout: 2:20
